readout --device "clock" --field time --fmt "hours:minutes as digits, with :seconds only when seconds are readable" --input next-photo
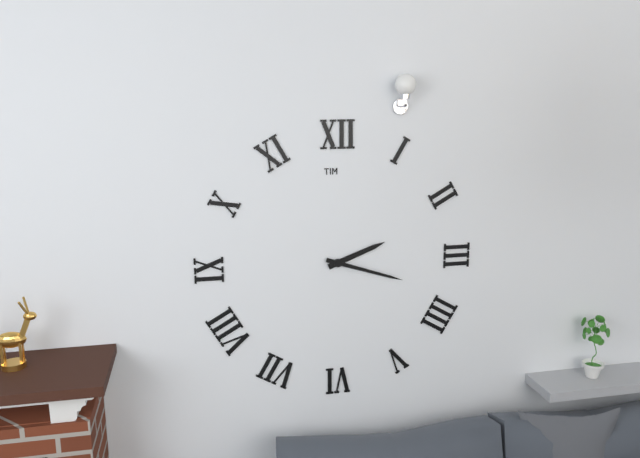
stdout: 2:18
